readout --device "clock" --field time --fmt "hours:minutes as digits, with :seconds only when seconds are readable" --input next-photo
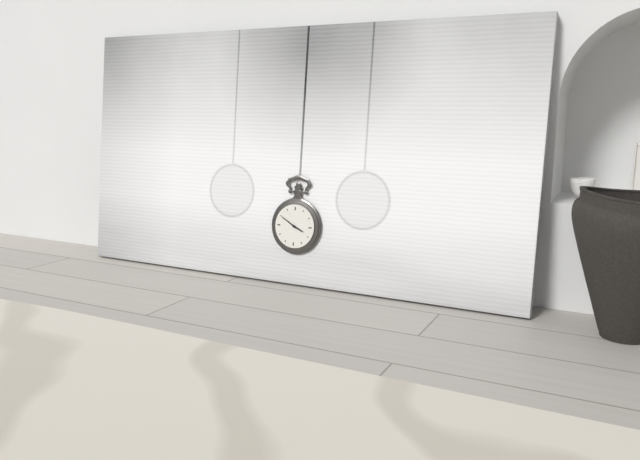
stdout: 3:50
